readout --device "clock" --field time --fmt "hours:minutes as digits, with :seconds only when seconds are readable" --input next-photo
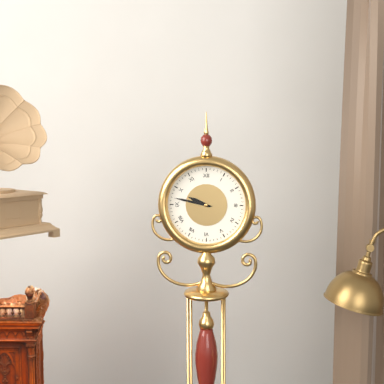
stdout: 9:47
